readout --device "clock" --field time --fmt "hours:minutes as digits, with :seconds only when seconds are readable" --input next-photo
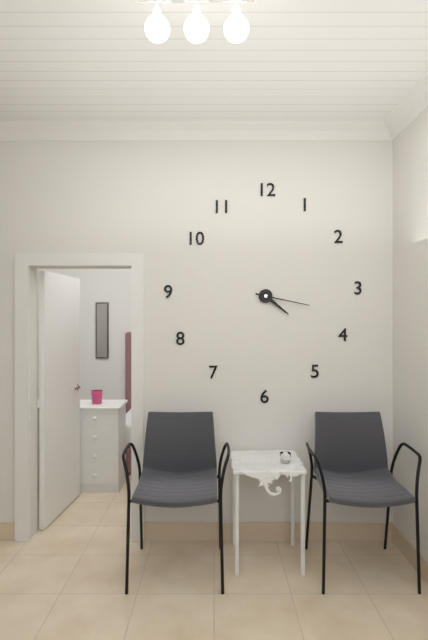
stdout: 4:17
